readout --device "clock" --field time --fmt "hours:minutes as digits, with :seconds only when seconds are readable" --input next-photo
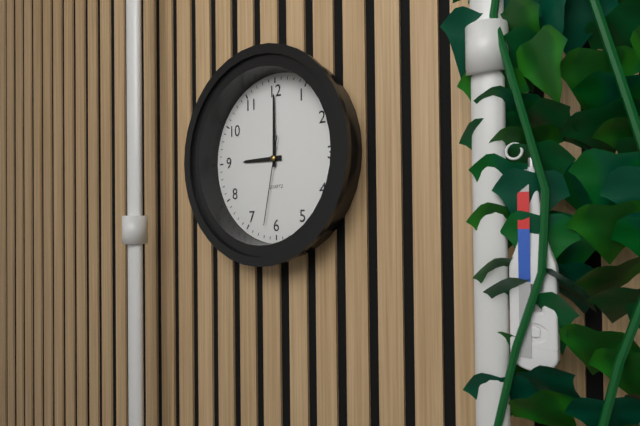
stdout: 9:00:32
